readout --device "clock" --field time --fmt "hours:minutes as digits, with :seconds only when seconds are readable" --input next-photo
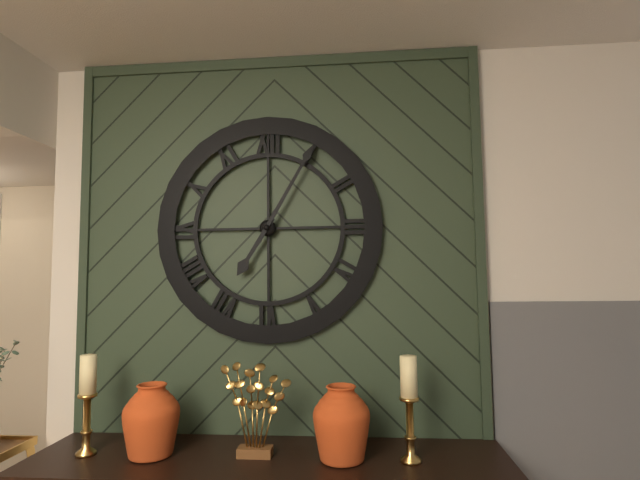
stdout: 7:05
